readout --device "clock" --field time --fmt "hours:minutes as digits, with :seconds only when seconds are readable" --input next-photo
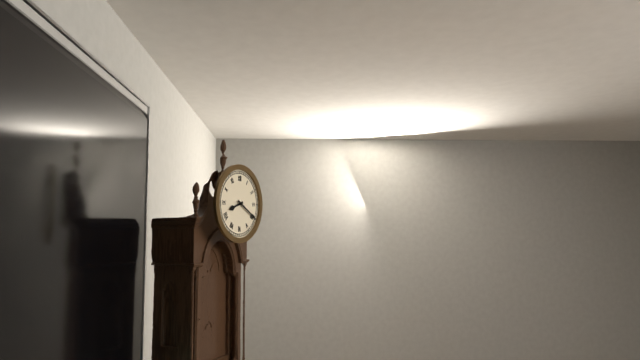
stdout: 8:20
